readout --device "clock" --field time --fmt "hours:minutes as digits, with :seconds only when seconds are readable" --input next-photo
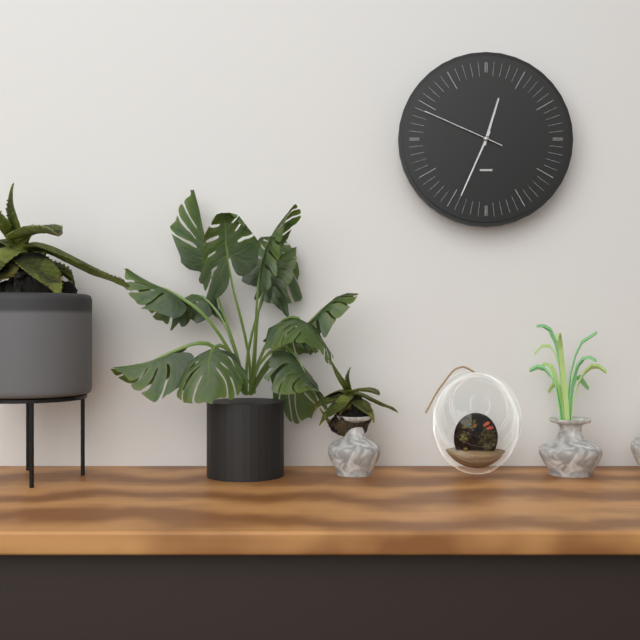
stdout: 12:34:49
